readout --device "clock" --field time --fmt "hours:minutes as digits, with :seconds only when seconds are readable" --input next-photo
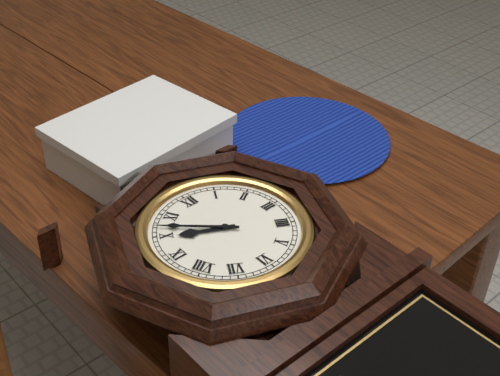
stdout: 9:52
